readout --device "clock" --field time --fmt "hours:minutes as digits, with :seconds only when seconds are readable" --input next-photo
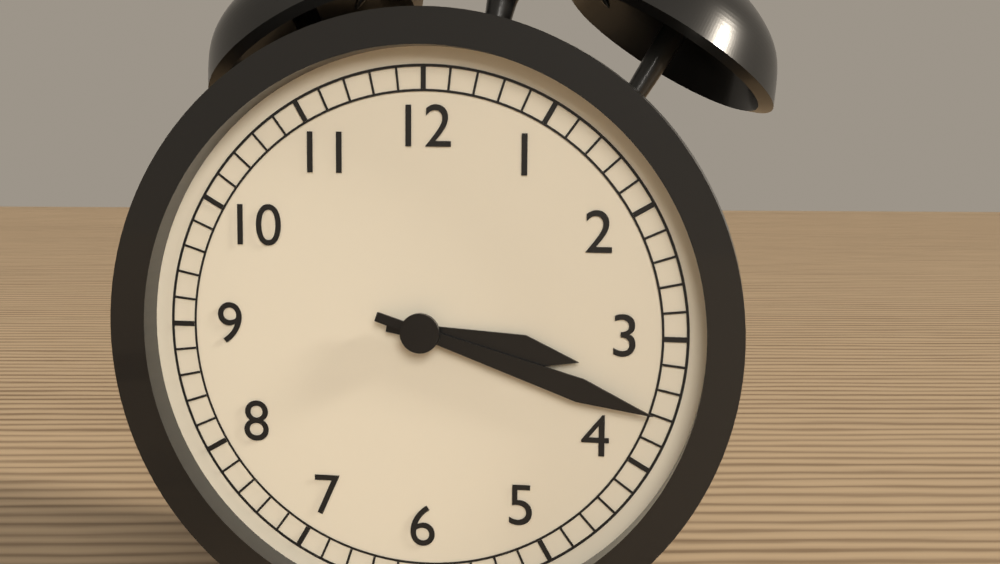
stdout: 3:18
